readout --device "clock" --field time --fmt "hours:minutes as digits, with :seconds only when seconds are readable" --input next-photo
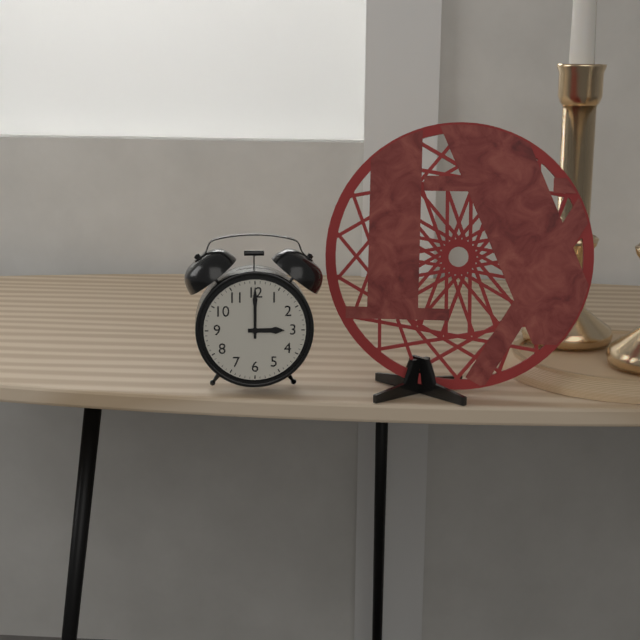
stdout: 3:00
